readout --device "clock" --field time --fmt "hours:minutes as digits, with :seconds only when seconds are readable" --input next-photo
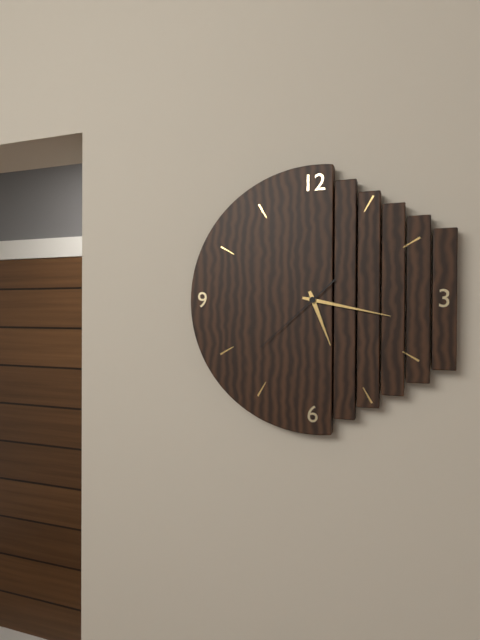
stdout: 5:17:38
